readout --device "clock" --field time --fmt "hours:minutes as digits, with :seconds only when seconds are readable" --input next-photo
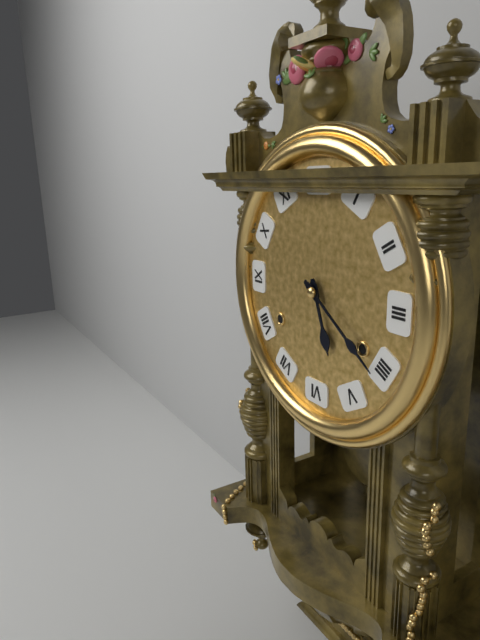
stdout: 5:21
